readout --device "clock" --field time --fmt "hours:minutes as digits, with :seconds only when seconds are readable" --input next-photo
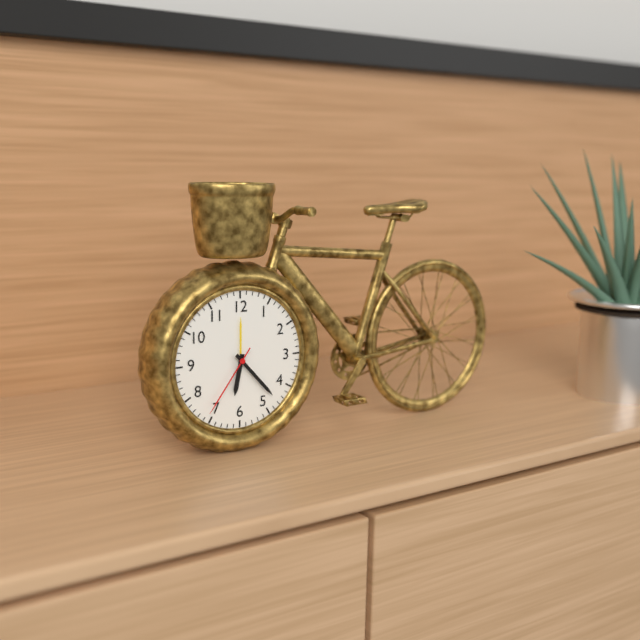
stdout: 6:23:36
